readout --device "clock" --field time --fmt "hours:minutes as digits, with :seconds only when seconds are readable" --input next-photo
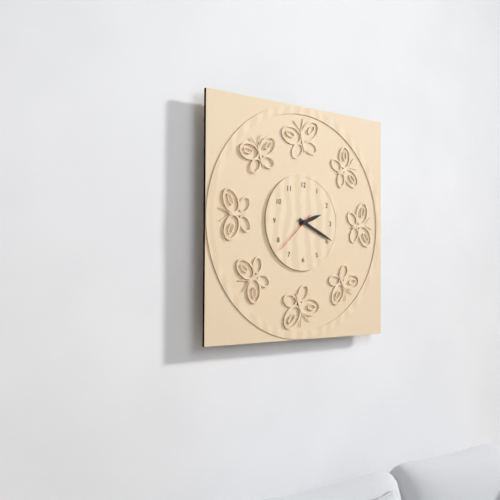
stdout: 2:19
